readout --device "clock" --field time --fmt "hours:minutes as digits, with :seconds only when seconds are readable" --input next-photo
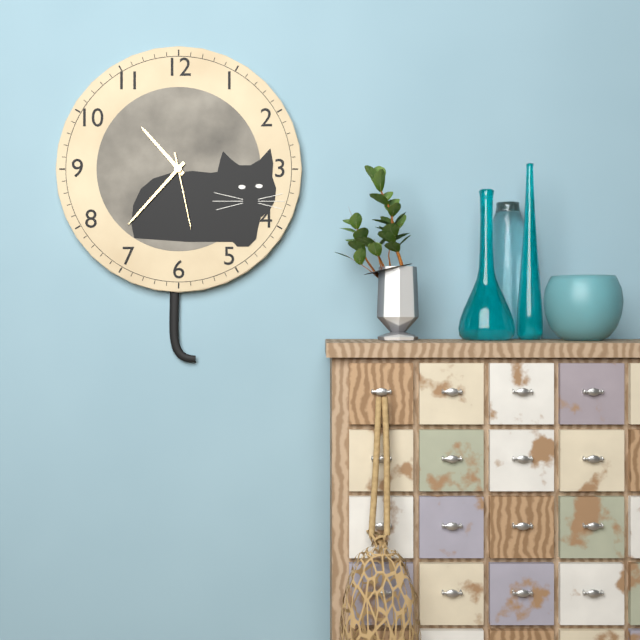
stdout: 10:37:28
